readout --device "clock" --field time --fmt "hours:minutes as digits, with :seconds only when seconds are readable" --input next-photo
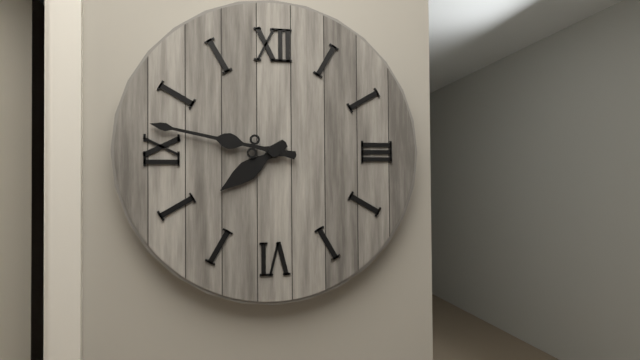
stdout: 7:47
